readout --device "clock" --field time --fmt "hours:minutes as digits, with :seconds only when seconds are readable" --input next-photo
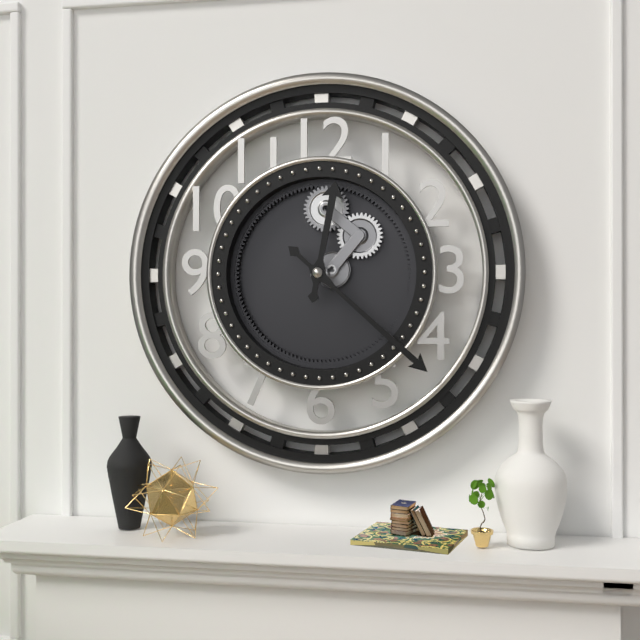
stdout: 12:22
